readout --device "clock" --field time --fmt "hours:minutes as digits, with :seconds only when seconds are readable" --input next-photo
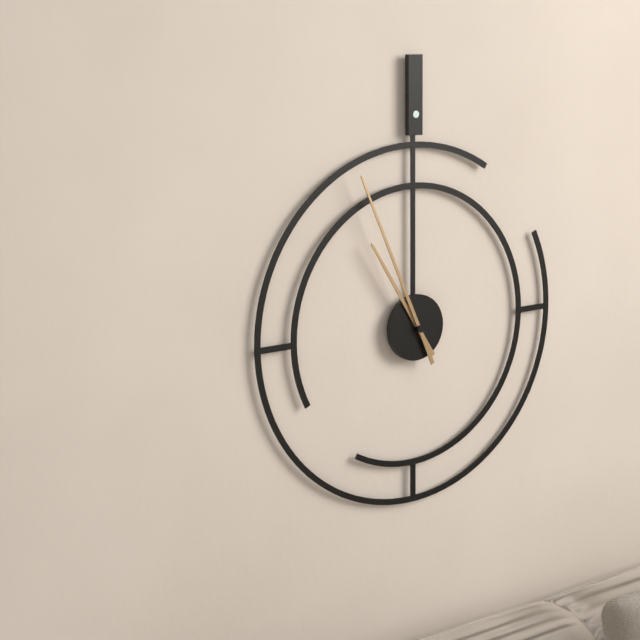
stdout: 10:56
